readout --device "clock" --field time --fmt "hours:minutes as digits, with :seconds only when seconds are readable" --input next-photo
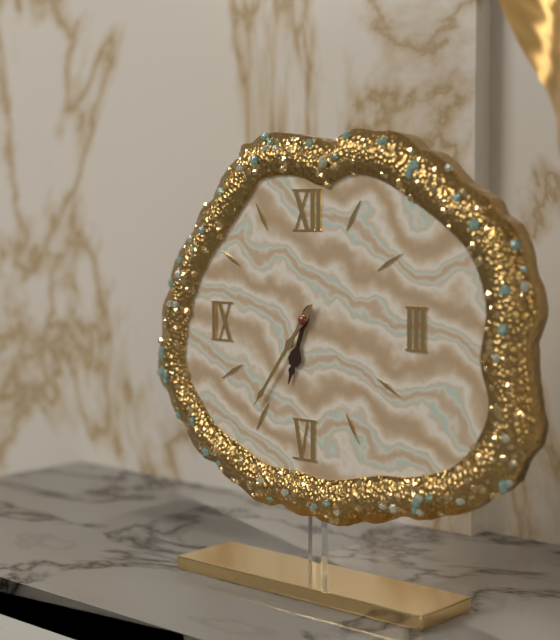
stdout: 6:36
